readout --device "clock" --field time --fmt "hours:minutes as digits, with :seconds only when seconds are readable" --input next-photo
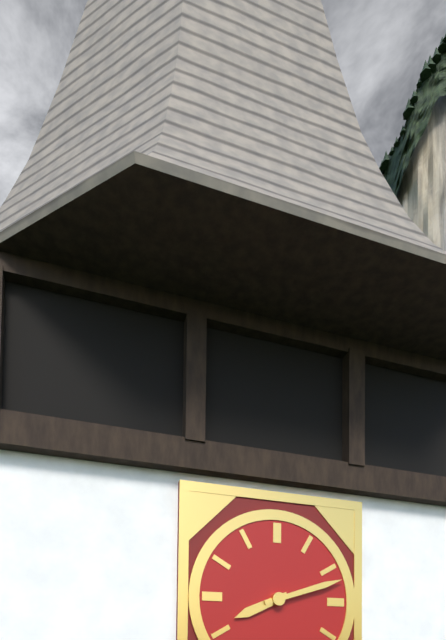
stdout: 8:12
